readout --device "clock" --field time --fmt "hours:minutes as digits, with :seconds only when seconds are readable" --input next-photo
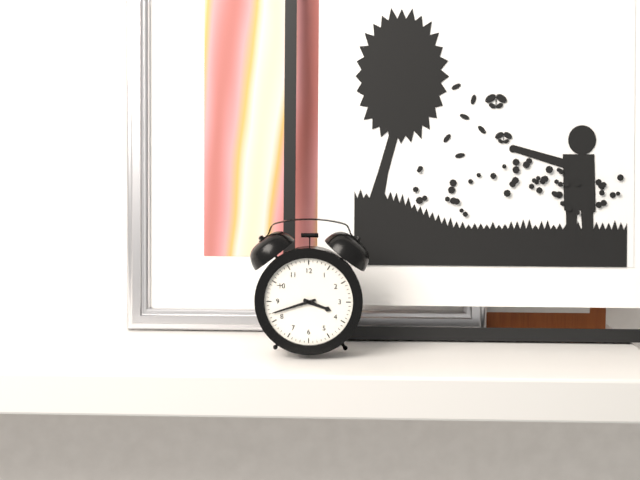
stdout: 3:42
